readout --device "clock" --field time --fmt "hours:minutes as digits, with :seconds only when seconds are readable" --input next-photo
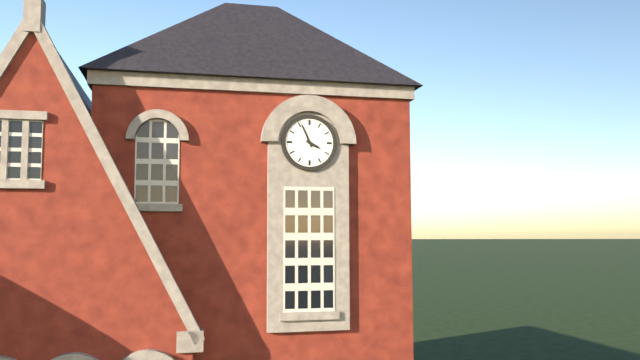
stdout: 3:56
